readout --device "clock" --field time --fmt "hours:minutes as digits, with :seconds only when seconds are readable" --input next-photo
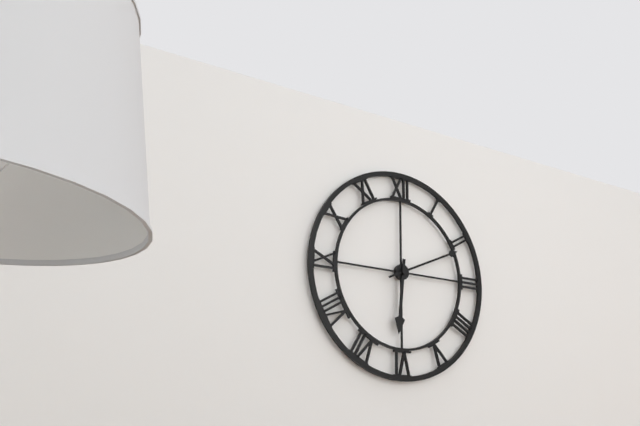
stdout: 6:11
